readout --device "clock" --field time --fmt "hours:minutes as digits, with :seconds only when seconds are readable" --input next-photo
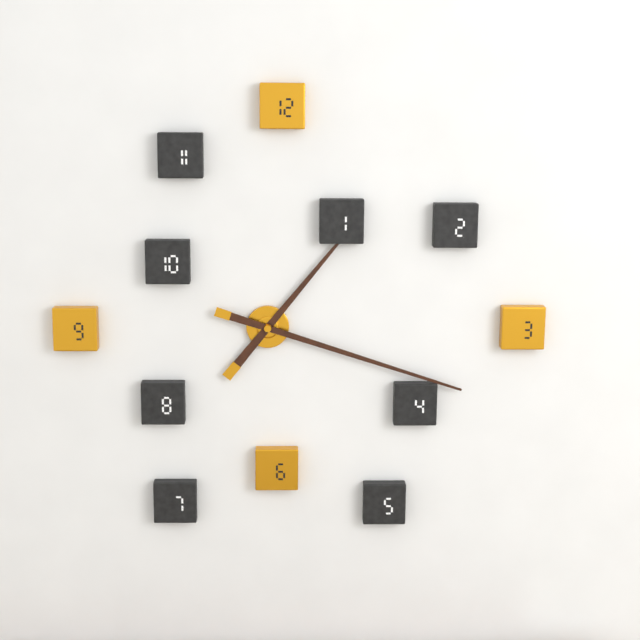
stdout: 1:18
